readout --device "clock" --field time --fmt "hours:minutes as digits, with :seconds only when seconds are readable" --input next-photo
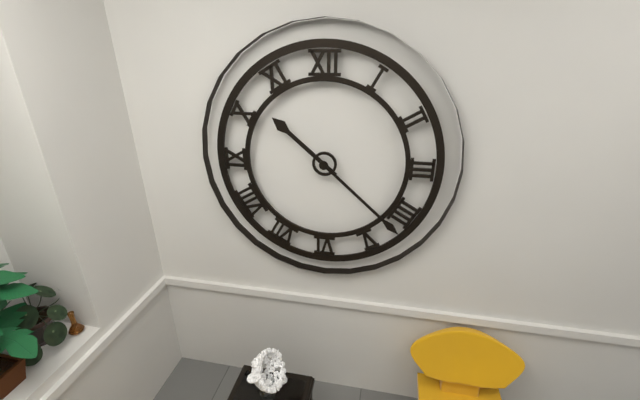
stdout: 10:22
